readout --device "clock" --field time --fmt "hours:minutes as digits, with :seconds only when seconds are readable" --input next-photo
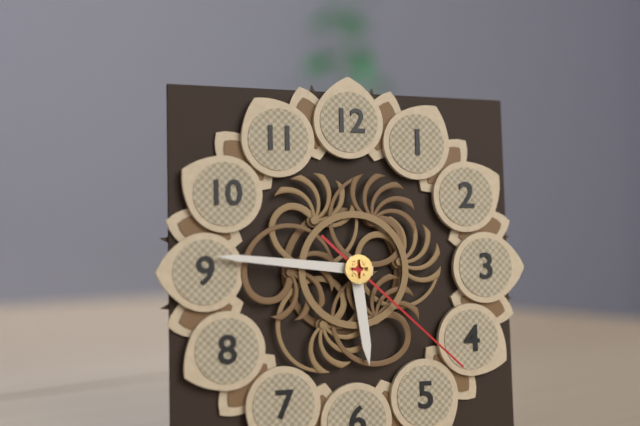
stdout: 5:46:22
